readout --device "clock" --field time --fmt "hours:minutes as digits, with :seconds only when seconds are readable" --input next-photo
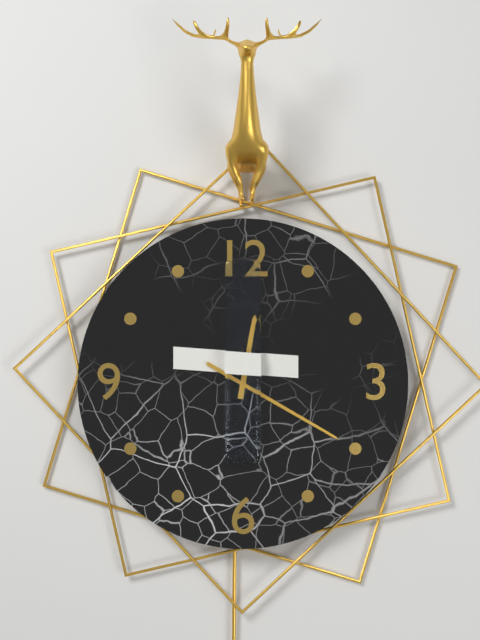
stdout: 12:20
